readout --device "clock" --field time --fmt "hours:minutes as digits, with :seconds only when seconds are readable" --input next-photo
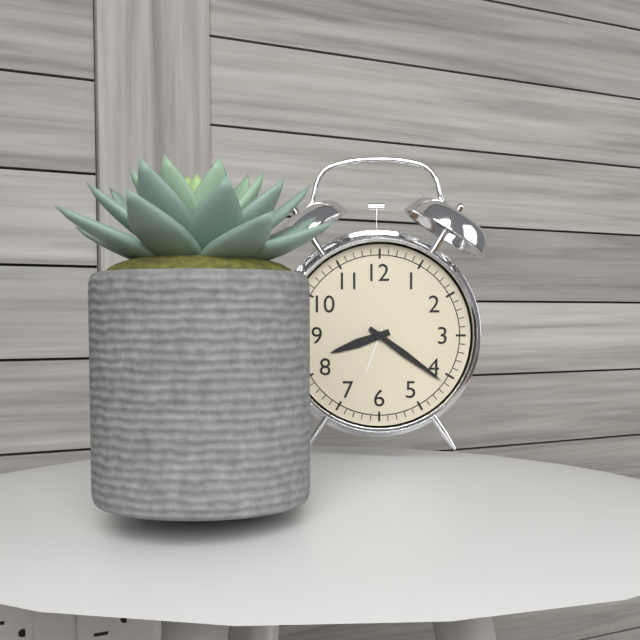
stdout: 8:21
